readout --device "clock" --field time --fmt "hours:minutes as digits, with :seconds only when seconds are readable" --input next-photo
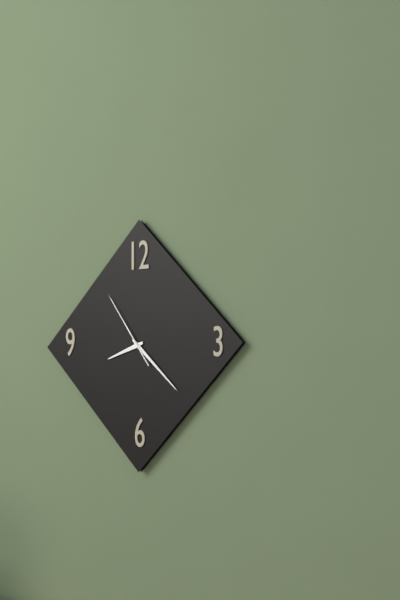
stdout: 8:22:54
